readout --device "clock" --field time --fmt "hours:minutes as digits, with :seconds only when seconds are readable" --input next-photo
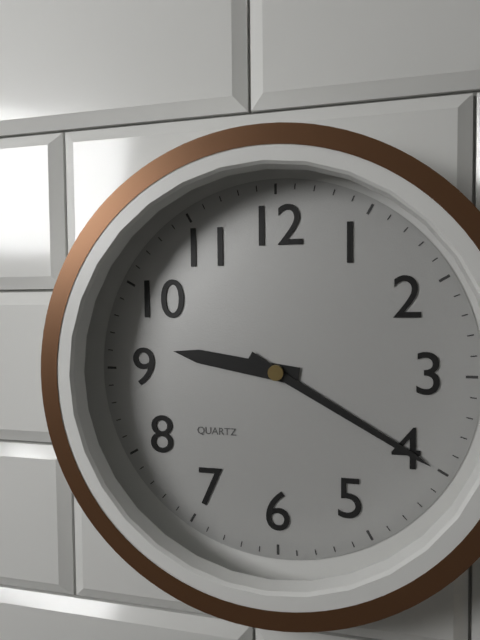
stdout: 9:20
